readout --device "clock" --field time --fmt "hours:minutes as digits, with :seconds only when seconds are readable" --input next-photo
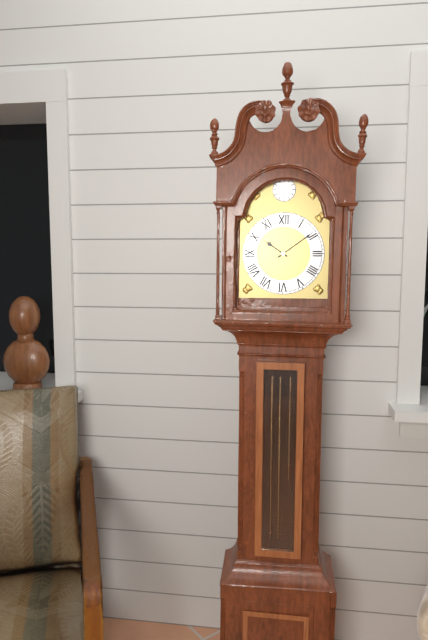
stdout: 10:09
